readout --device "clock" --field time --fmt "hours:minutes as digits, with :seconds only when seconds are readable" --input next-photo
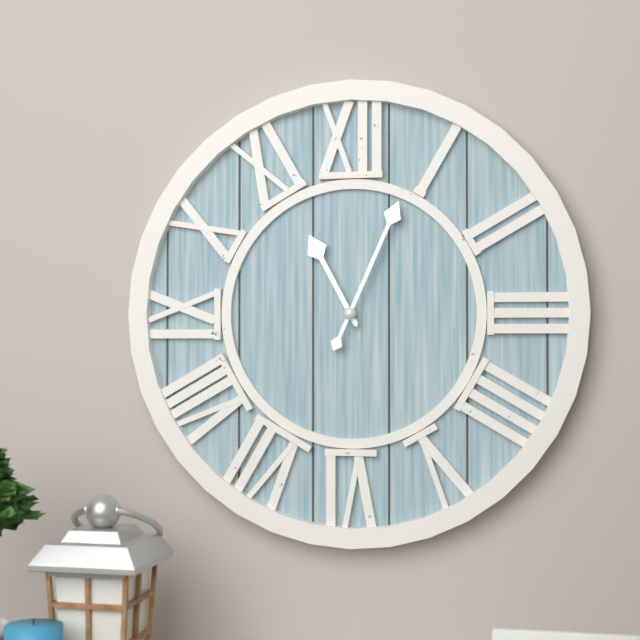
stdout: 11:04
